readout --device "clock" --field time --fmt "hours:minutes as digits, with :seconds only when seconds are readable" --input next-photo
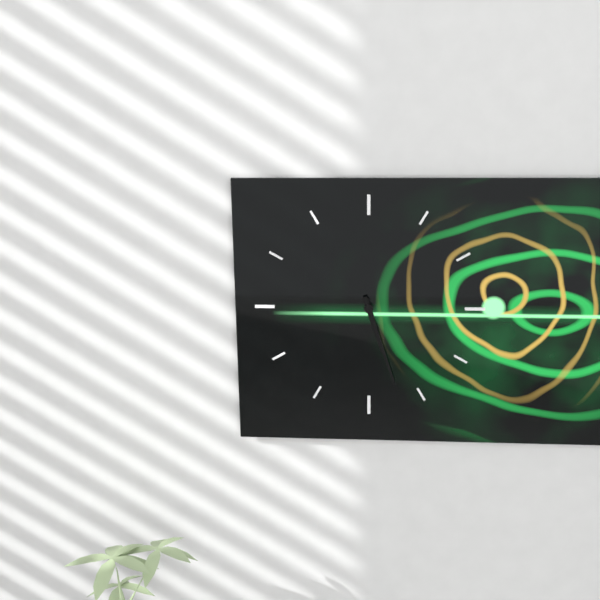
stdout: 5:27
